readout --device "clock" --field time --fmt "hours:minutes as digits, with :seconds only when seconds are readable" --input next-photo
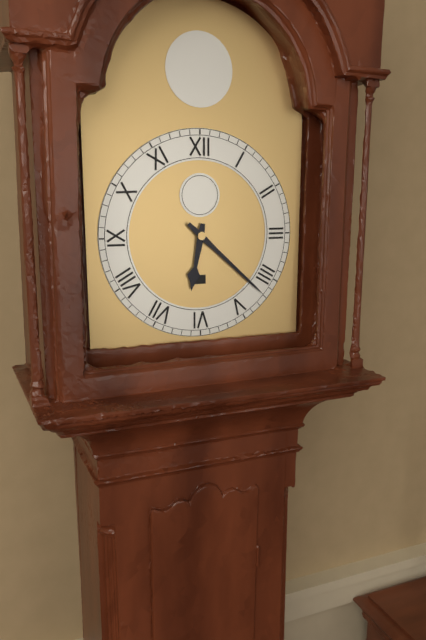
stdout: 6:22
